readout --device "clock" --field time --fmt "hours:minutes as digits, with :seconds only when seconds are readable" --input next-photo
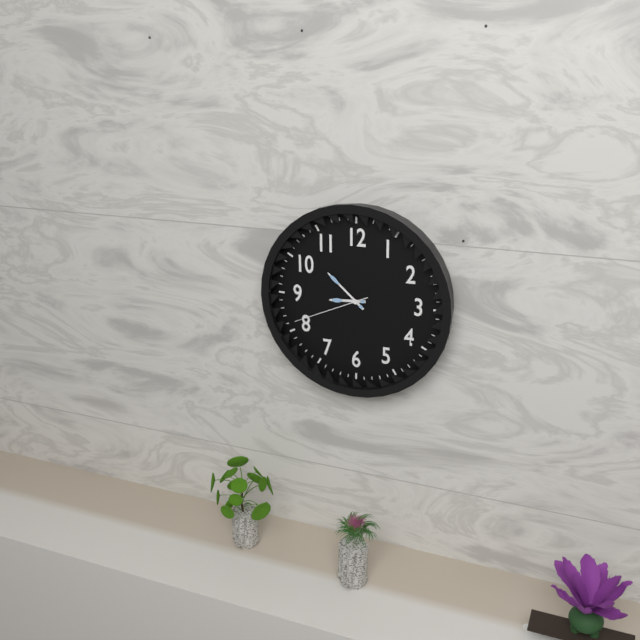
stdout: 8:52:41
